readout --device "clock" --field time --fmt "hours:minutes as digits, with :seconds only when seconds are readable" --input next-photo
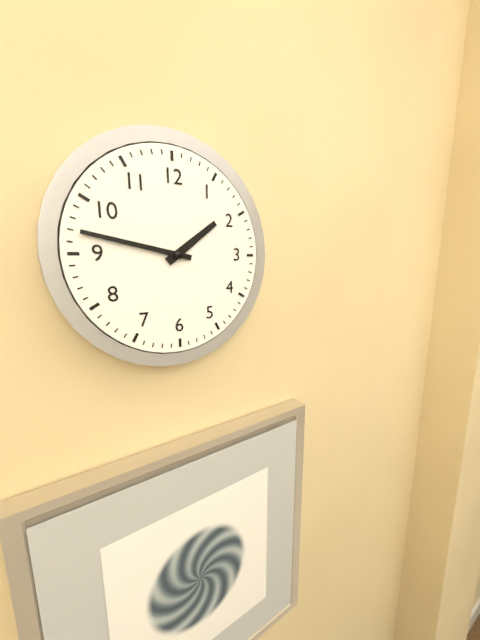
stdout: 1:47
